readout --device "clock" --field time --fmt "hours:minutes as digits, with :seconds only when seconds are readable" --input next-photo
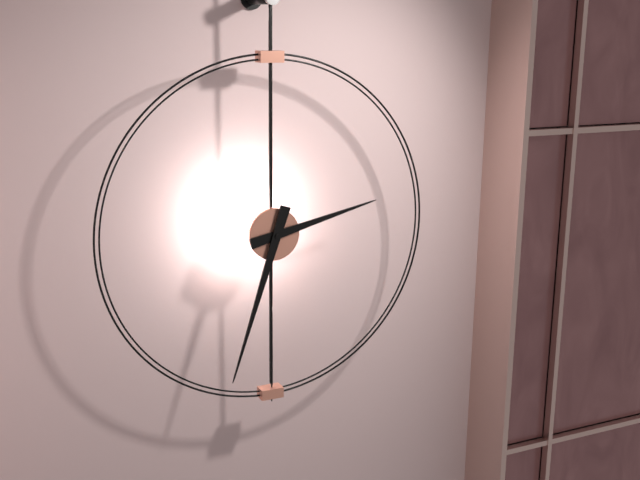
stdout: 2:33
